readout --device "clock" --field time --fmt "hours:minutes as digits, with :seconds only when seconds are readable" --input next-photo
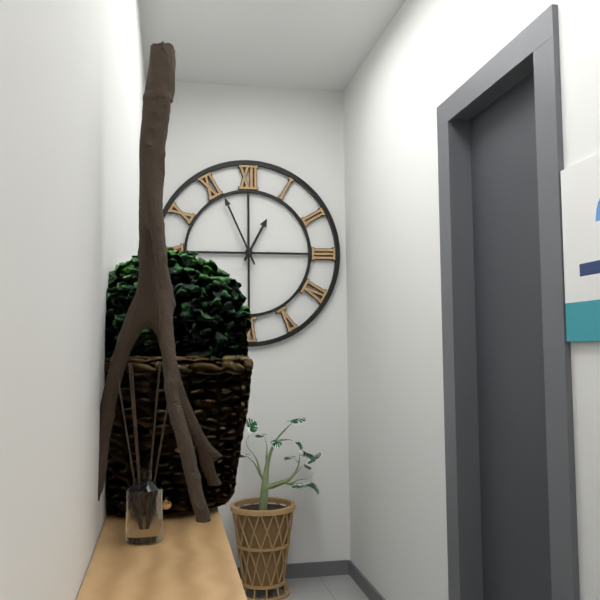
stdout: 12:56
